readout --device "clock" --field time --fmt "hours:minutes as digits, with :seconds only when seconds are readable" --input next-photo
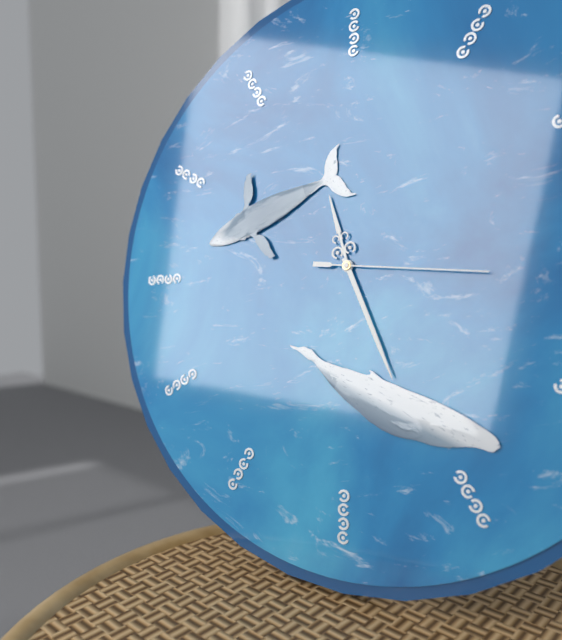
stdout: 11:26:16
